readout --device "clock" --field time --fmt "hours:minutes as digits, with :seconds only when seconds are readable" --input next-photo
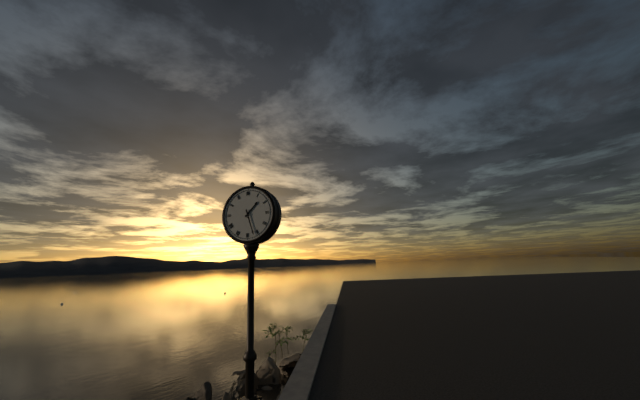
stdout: 1:27
